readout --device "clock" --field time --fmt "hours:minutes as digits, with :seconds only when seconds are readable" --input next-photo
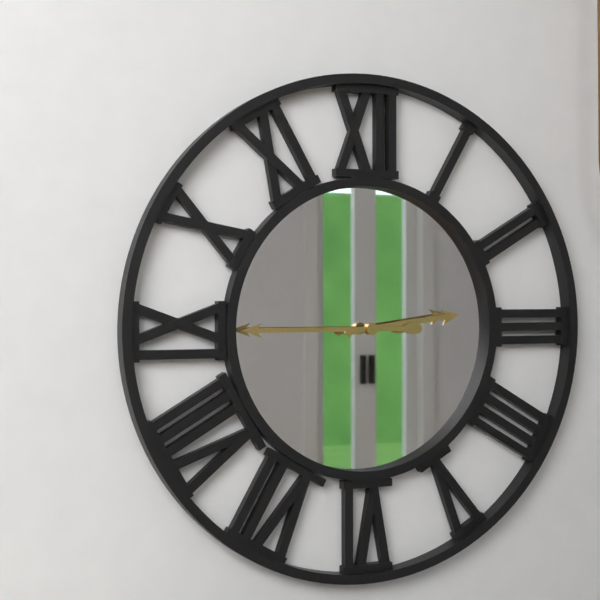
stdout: 2:45
